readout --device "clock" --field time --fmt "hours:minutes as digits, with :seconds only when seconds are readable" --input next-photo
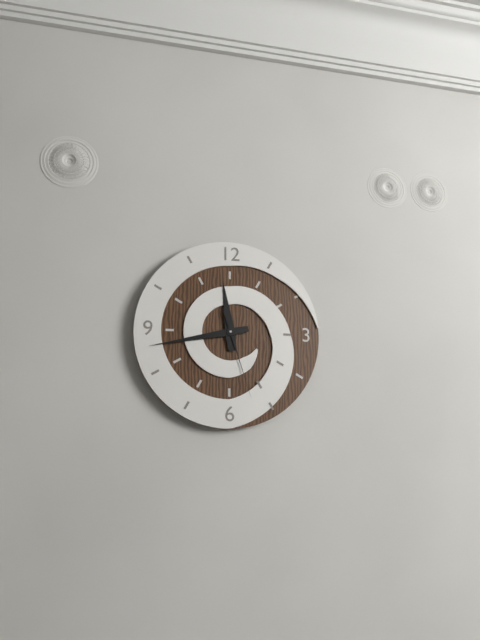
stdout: 11:43:27
